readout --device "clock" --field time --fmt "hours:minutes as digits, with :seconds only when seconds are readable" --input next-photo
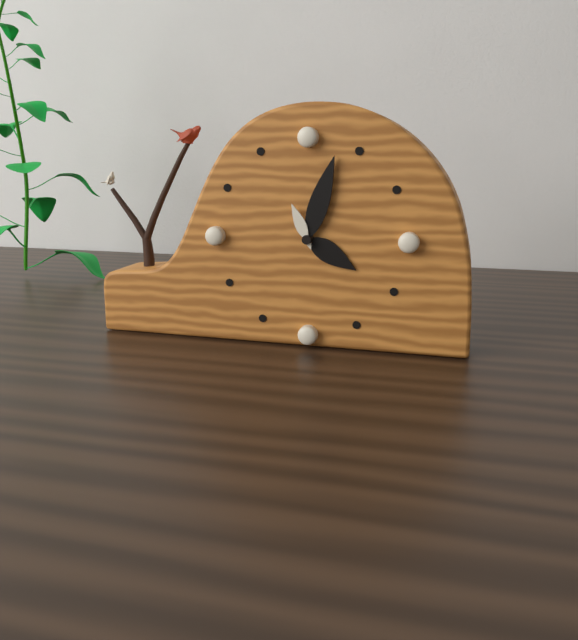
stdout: 4:03
